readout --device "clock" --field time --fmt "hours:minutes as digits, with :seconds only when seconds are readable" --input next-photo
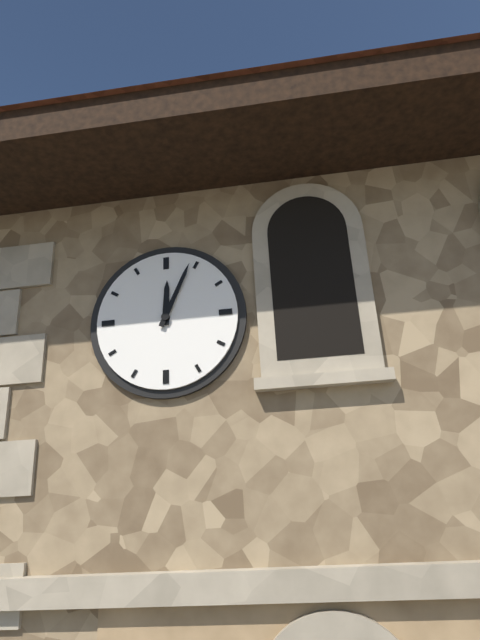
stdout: 12:04
